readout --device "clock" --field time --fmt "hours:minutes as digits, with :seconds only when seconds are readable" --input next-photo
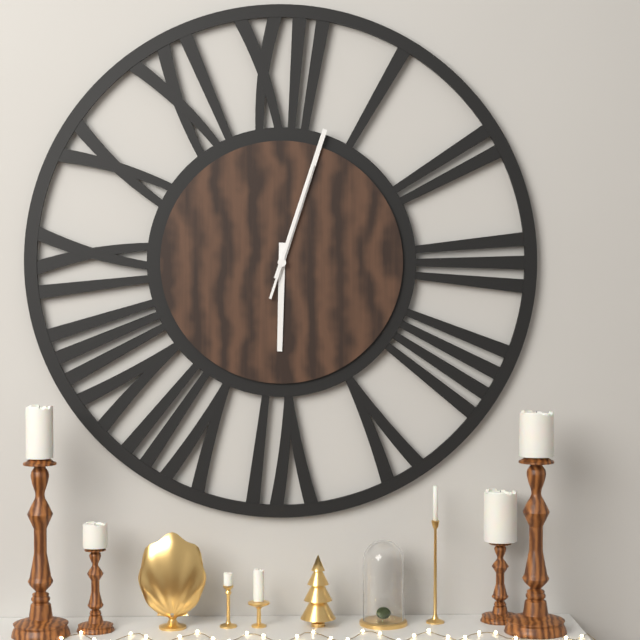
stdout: 6:03:03
